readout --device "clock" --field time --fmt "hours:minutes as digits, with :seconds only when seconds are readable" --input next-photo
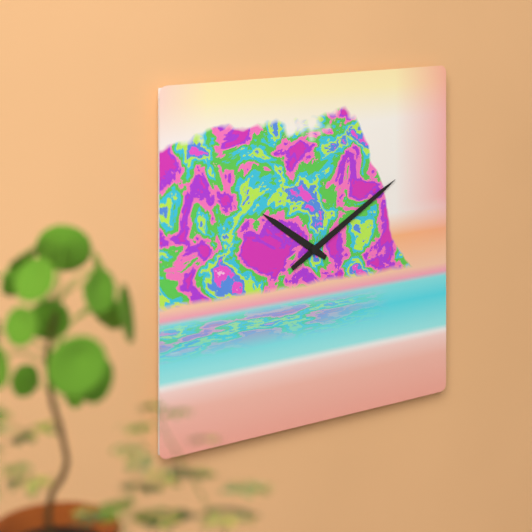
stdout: 10:10
